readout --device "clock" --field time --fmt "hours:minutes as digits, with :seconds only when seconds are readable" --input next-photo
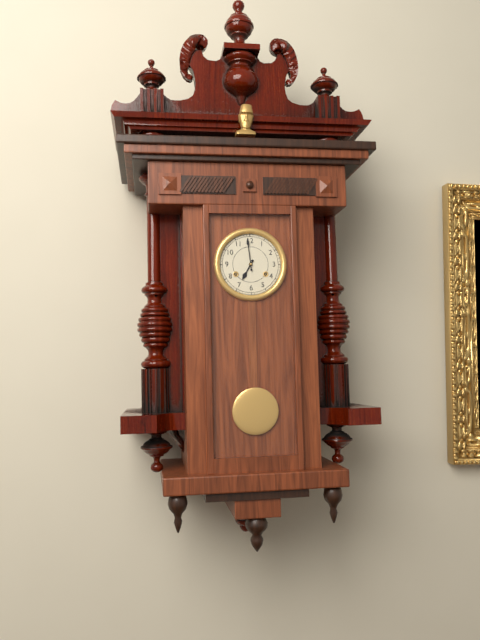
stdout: 6:59
